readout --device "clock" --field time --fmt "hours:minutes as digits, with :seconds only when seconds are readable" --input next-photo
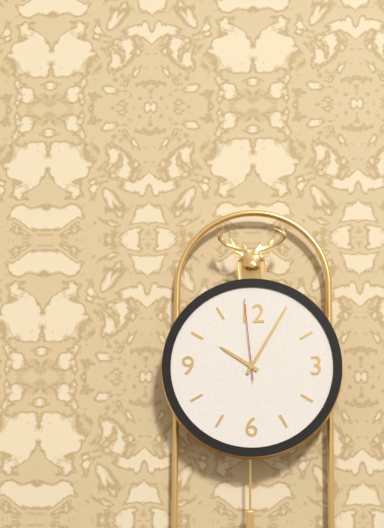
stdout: 10:05:59
